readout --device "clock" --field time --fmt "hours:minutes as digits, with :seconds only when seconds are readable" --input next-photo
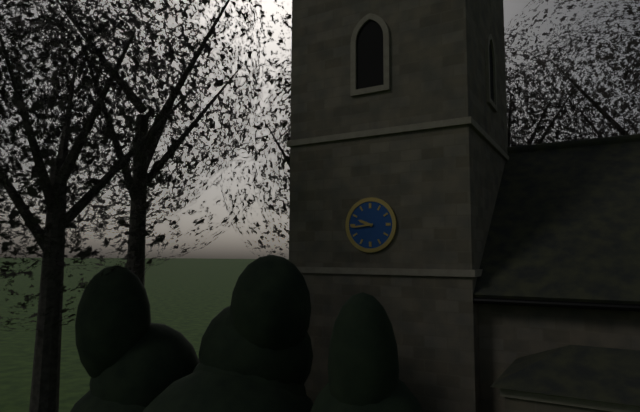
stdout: 9:44
